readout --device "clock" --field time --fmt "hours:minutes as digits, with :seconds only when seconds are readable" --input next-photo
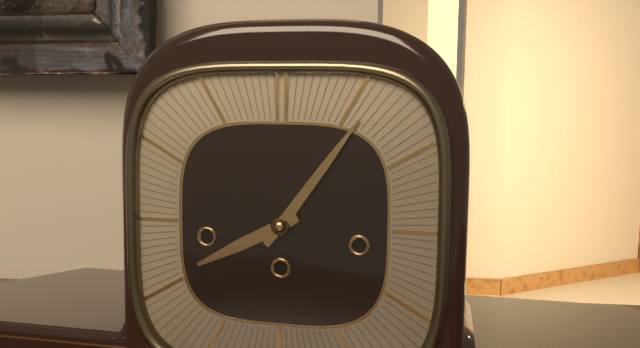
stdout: 8:06
